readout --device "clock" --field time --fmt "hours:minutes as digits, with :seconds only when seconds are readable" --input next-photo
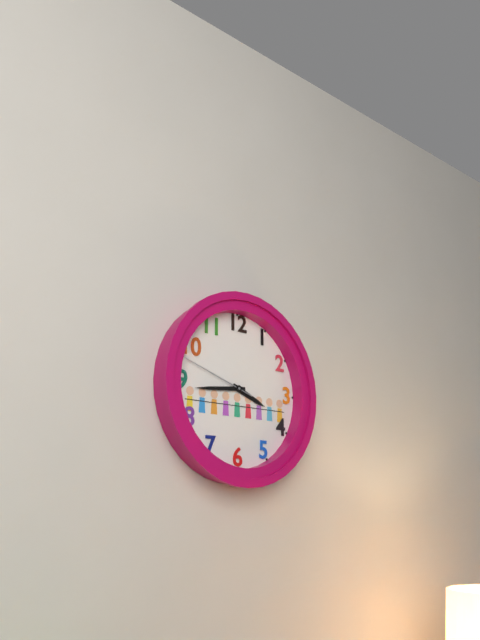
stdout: 3:44:48
